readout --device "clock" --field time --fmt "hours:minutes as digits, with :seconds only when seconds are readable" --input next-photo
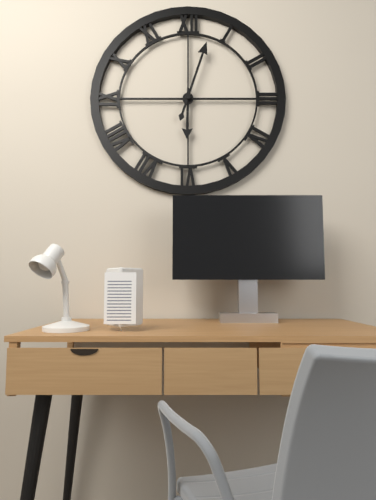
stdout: 6:03
